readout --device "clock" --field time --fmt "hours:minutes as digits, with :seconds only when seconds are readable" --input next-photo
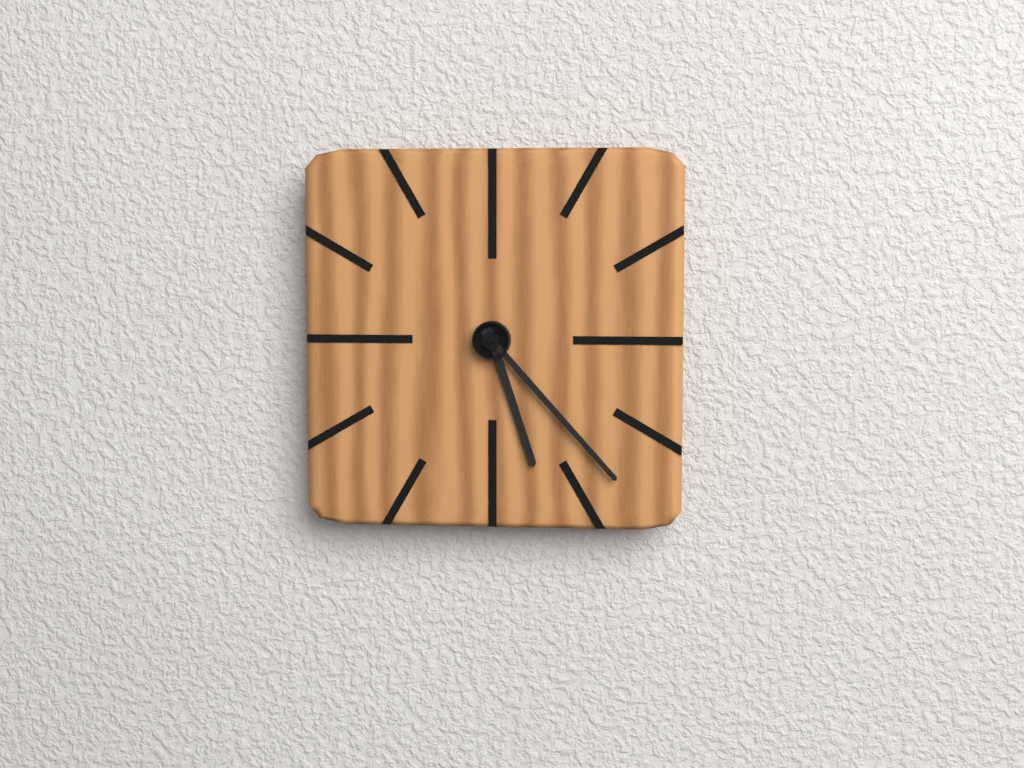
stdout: 5:23
